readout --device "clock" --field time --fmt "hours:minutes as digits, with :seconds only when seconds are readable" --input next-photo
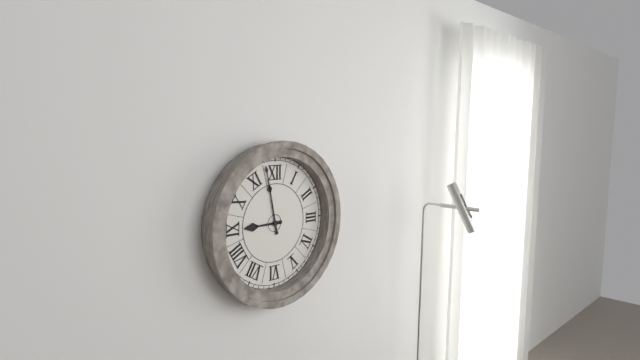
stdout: 8:58
